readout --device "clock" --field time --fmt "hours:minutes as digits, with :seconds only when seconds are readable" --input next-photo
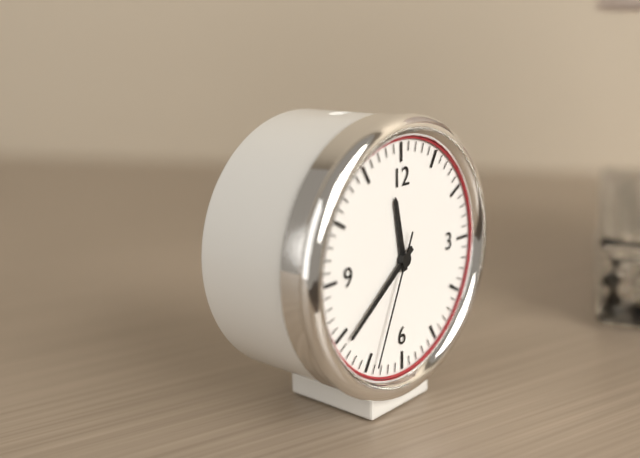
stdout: 11:39:34
